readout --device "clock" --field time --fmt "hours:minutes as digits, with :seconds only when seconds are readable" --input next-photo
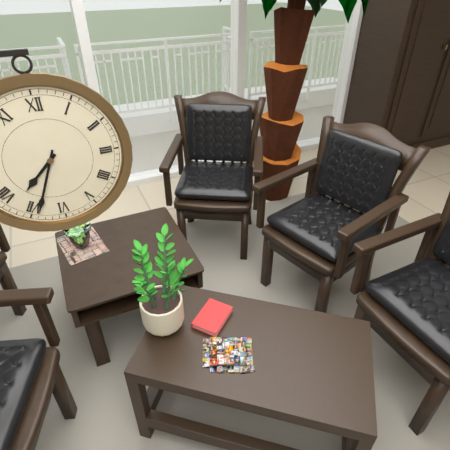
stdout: 7:34
